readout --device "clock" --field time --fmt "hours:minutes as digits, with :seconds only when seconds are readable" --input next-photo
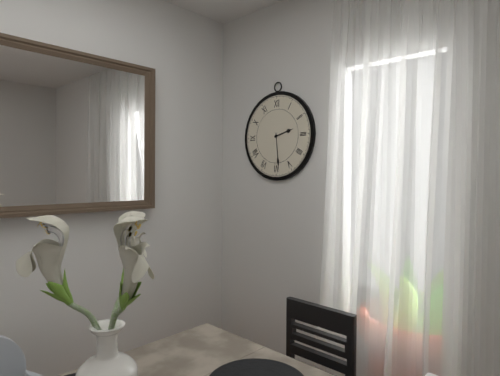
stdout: 2:29
